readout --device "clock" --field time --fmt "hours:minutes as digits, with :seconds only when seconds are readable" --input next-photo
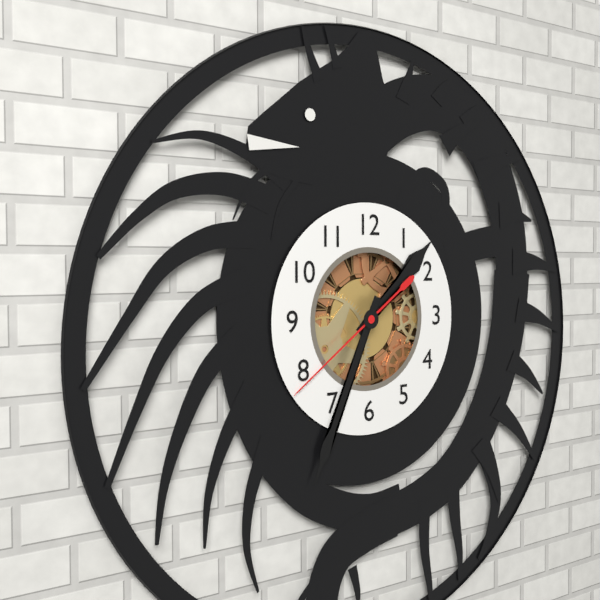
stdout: 1:34:39
